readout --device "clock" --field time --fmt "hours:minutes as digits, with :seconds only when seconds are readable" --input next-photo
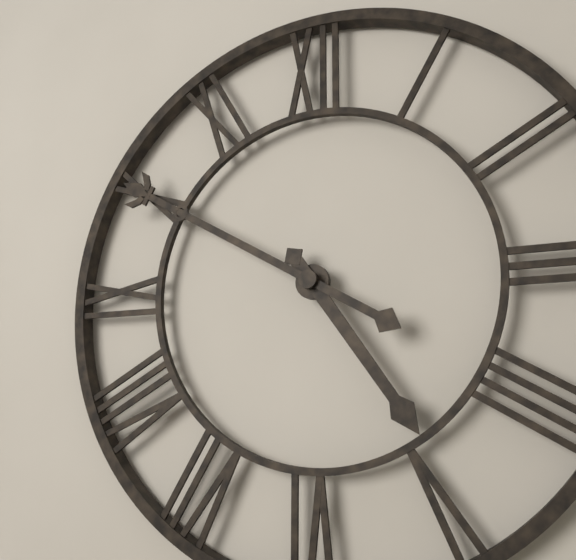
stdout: 4:50
